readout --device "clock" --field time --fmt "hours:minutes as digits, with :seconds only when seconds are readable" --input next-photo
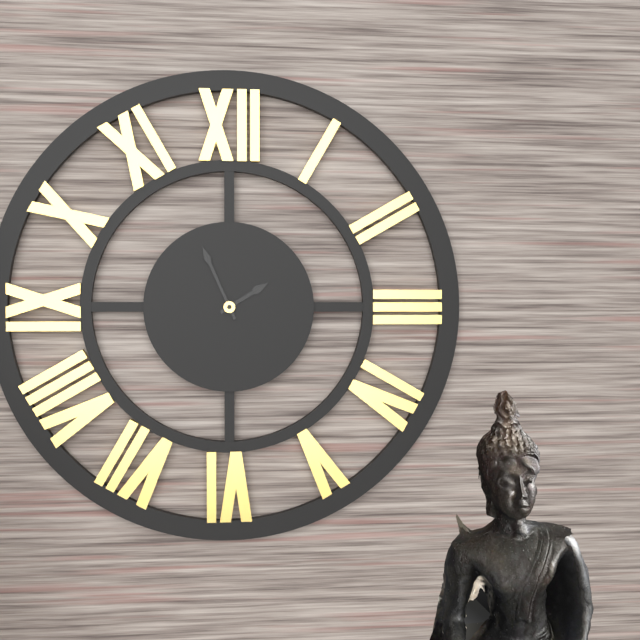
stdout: 1:56
